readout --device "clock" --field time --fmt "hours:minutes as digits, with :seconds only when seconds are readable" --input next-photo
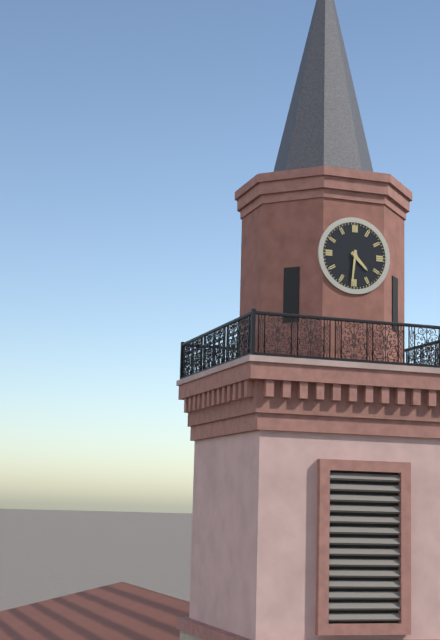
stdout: 4:31
